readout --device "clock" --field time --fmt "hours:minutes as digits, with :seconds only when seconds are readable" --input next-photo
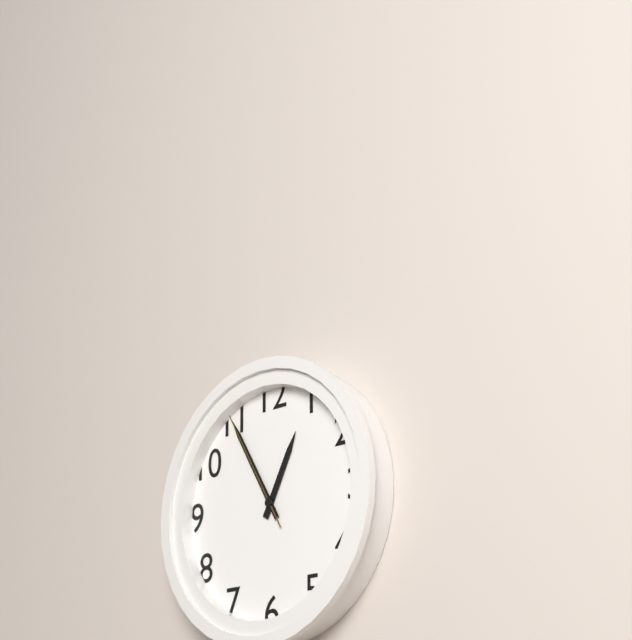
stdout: 12:55:55
